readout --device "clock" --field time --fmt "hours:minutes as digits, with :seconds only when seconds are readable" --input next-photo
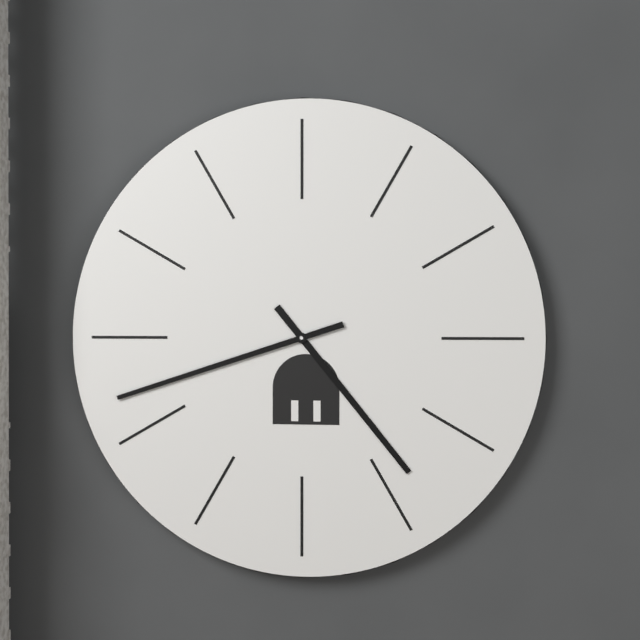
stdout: 4:42
